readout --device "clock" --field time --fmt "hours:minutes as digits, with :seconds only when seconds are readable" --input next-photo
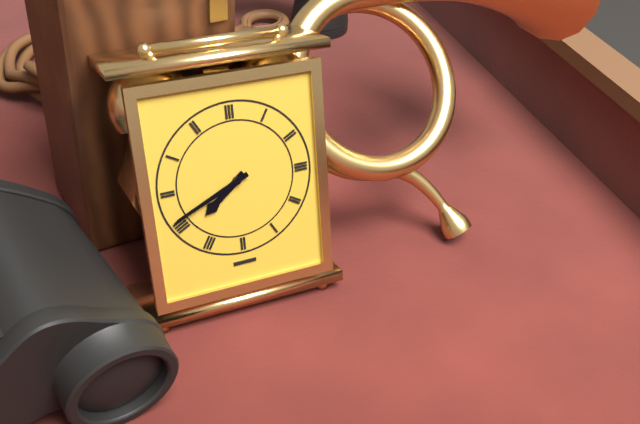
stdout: 7:41
